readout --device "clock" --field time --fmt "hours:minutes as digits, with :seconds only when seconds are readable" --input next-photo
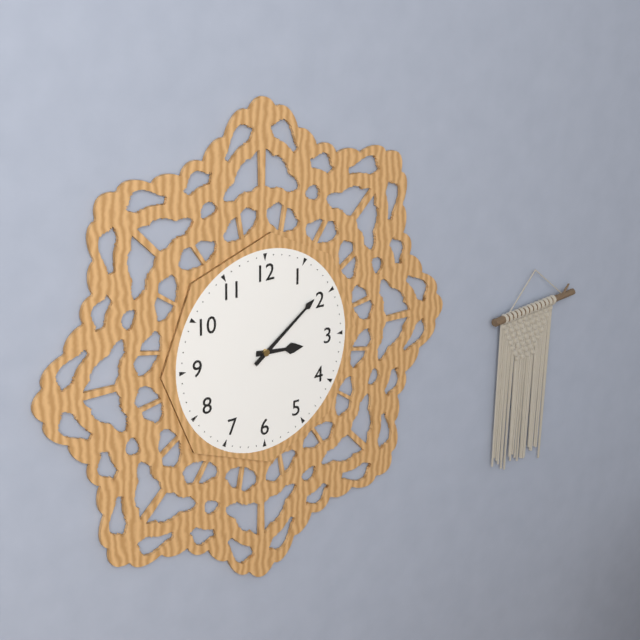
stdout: 3:09
